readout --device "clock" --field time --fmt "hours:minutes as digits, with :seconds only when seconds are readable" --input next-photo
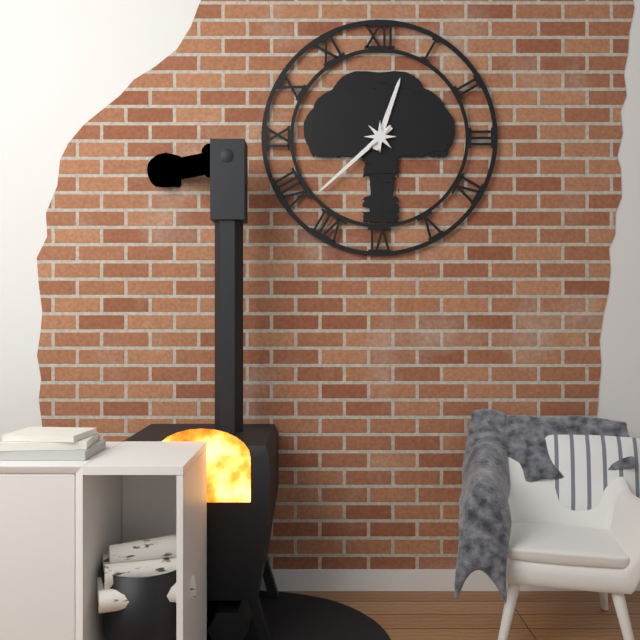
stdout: 12:38
